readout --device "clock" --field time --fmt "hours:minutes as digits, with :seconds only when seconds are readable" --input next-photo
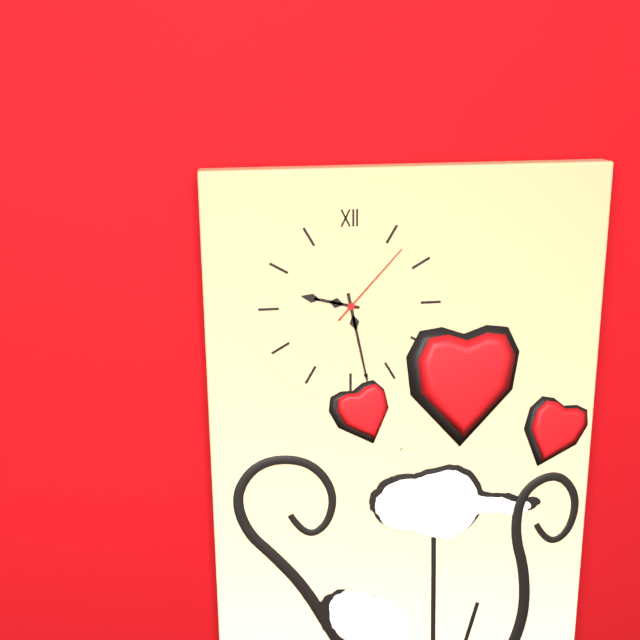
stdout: 9:28:07
